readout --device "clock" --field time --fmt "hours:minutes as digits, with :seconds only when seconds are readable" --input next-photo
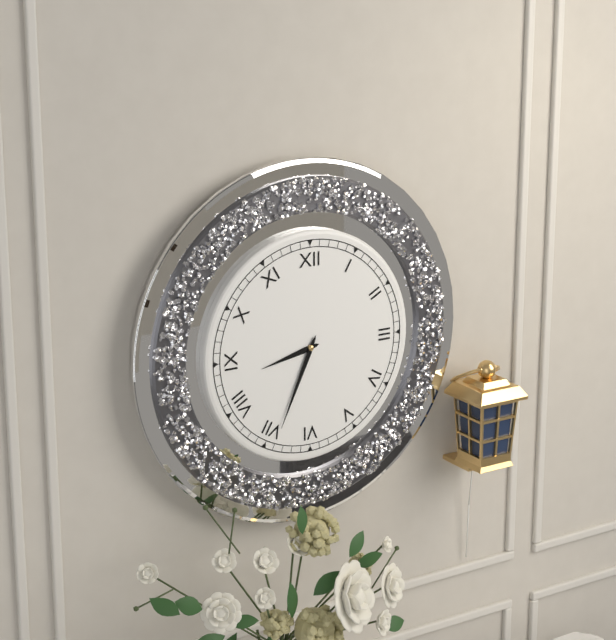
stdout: 8:34
